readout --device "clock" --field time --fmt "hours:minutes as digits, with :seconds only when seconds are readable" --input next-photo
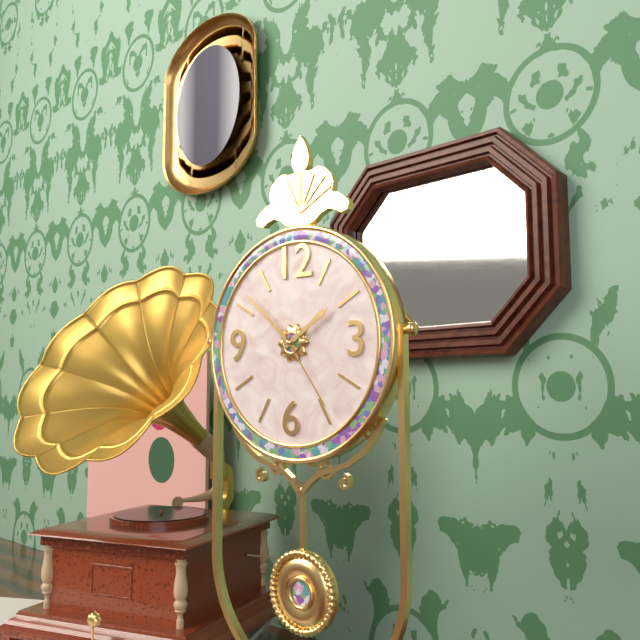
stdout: 1:52:24
